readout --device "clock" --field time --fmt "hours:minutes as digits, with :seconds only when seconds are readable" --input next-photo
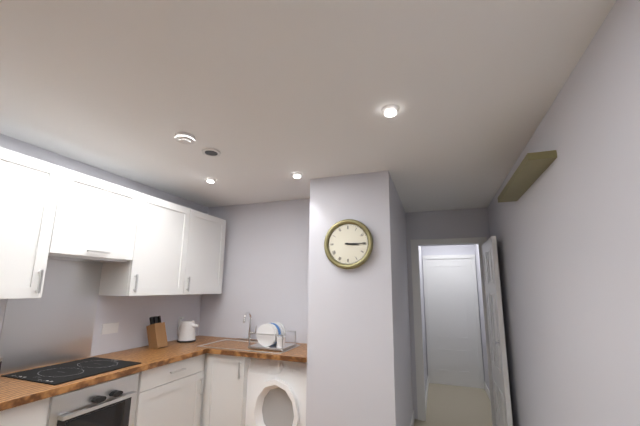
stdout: 3:15
